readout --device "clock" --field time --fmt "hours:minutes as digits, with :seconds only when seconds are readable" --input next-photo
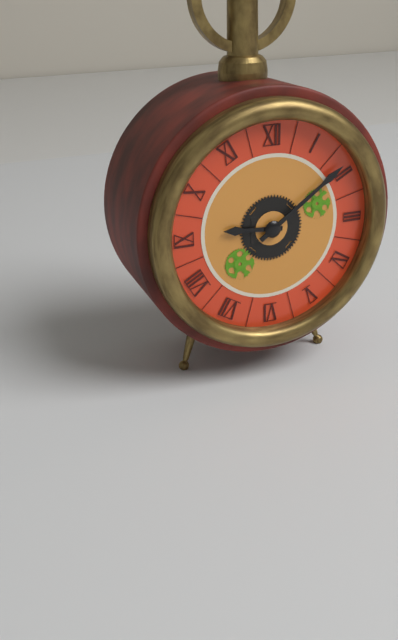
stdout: 9:09
